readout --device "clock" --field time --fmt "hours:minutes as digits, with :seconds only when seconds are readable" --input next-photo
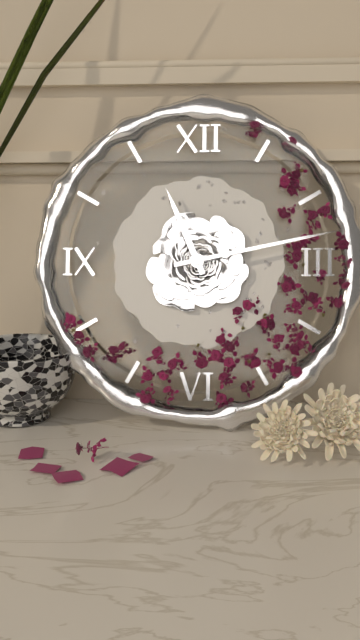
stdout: 11:13
